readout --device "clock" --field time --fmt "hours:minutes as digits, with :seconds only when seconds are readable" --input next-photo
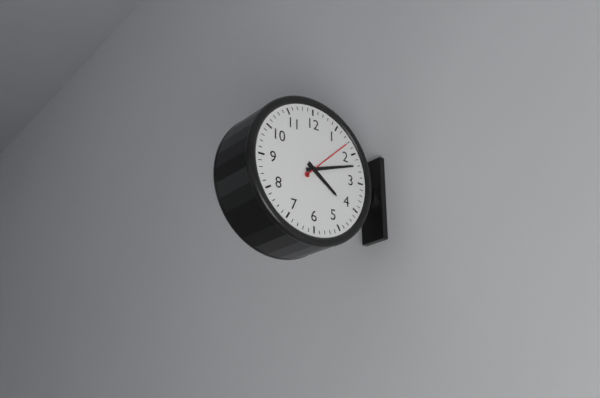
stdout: 4:12:08
